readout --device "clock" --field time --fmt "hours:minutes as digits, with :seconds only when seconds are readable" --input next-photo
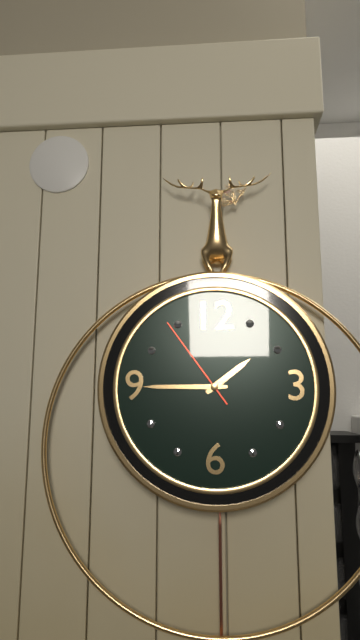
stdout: 1:45:54
